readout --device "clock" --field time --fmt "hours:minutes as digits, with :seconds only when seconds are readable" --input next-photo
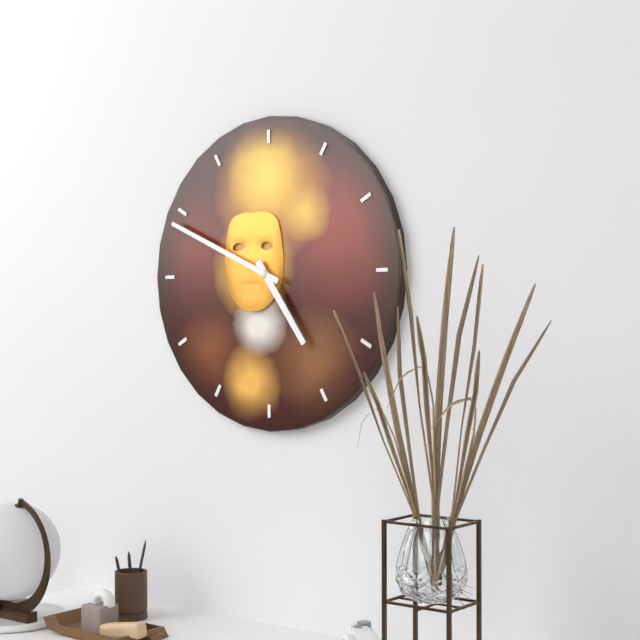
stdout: 4:49
